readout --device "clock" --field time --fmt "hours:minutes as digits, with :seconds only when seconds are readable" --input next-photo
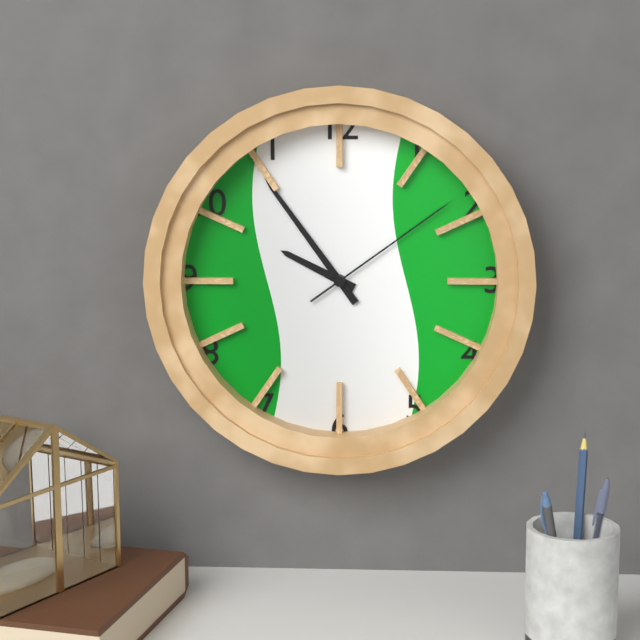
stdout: 9:54:09
